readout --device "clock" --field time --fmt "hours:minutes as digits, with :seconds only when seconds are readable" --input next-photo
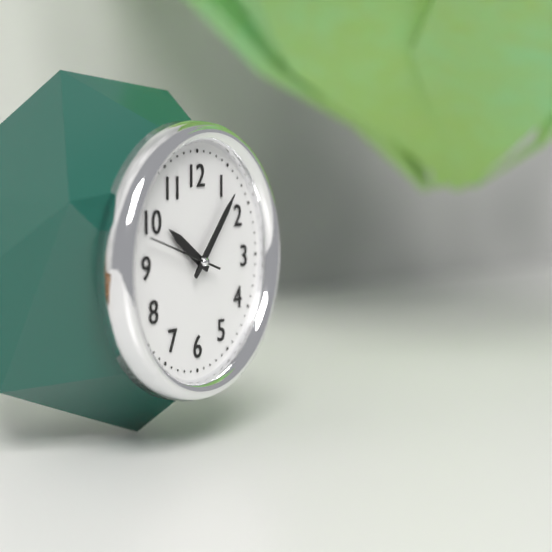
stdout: 10:07:48
